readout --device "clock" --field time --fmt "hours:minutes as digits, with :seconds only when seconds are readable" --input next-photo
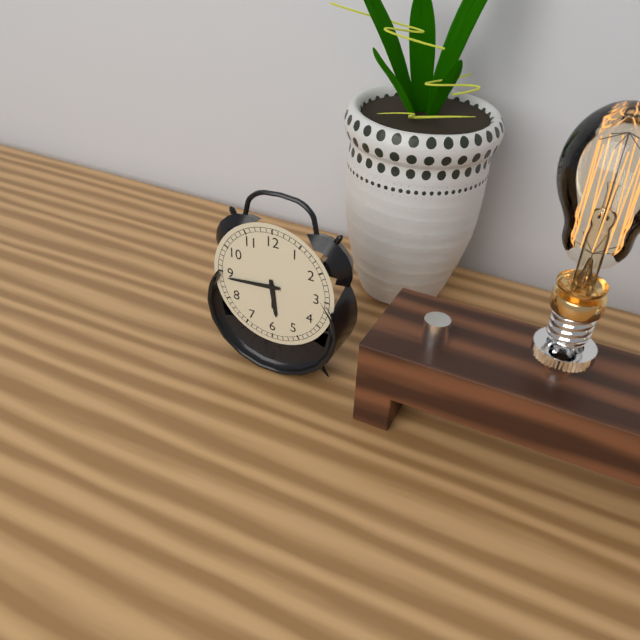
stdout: 5:44
